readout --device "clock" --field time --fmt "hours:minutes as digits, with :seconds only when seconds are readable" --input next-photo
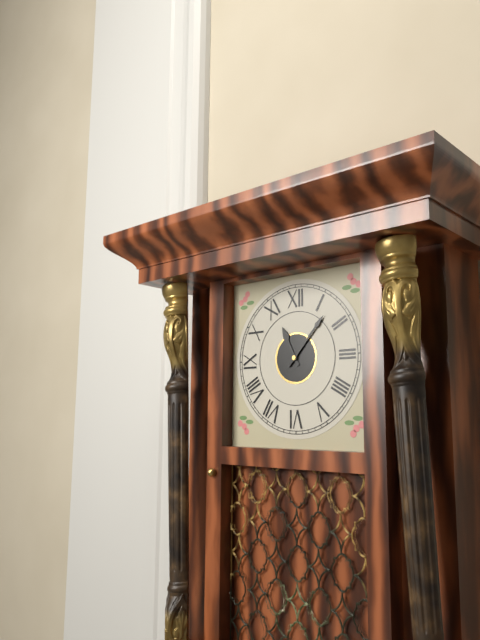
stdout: 11:07
